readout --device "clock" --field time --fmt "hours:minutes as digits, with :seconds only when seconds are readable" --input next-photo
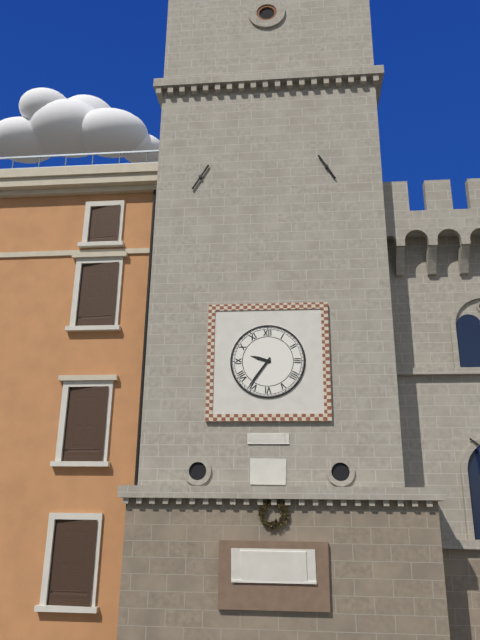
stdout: 9:36
